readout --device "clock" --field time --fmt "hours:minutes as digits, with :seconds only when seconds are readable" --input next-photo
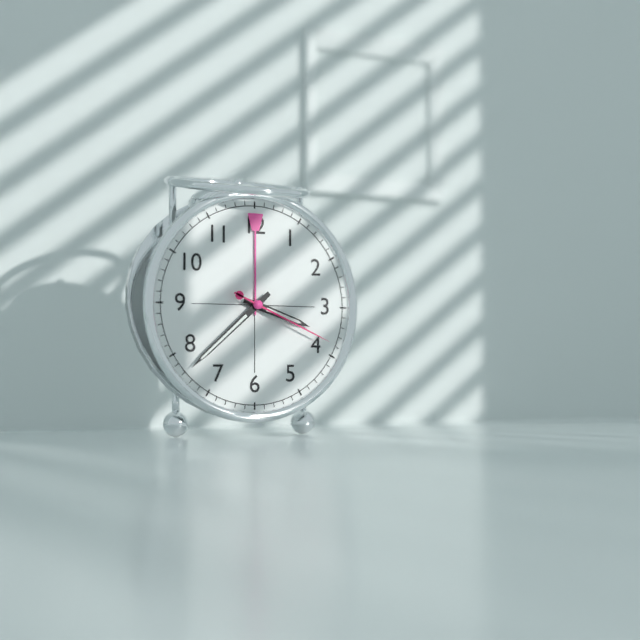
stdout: 3:38:19
